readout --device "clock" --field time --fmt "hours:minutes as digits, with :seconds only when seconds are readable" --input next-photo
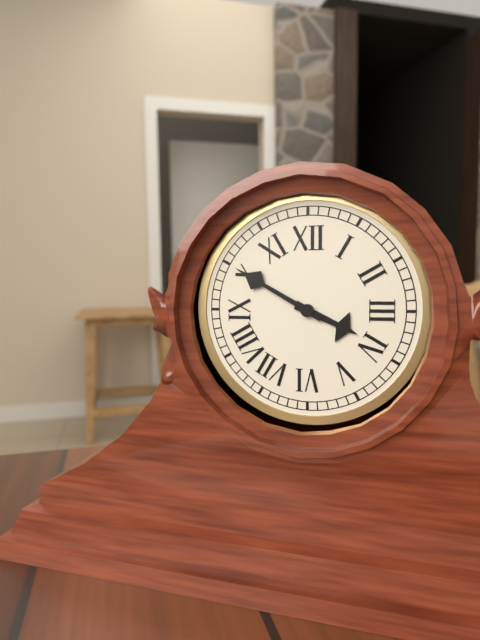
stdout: 3:50
